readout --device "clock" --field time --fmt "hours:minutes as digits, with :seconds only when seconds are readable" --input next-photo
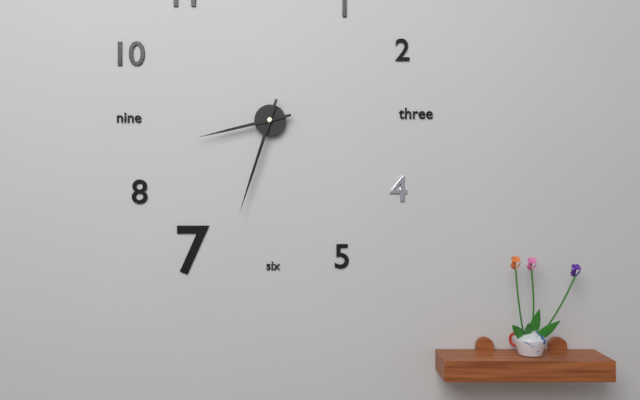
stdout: 8:33
